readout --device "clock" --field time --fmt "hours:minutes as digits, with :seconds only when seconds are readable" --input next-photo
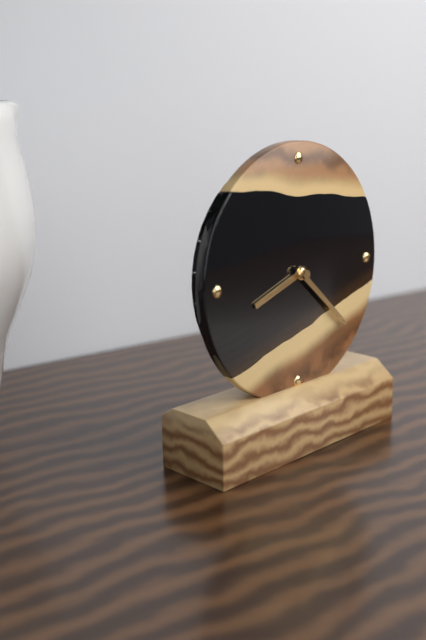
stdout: 8:22
